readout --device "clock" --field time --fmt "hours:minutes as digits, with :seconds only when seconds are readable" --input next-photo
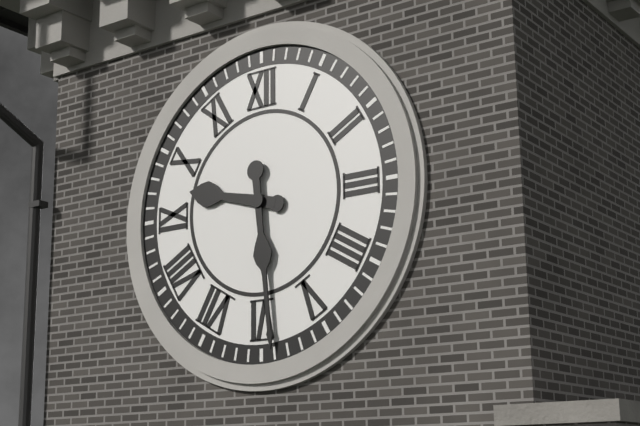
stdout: 9:29
